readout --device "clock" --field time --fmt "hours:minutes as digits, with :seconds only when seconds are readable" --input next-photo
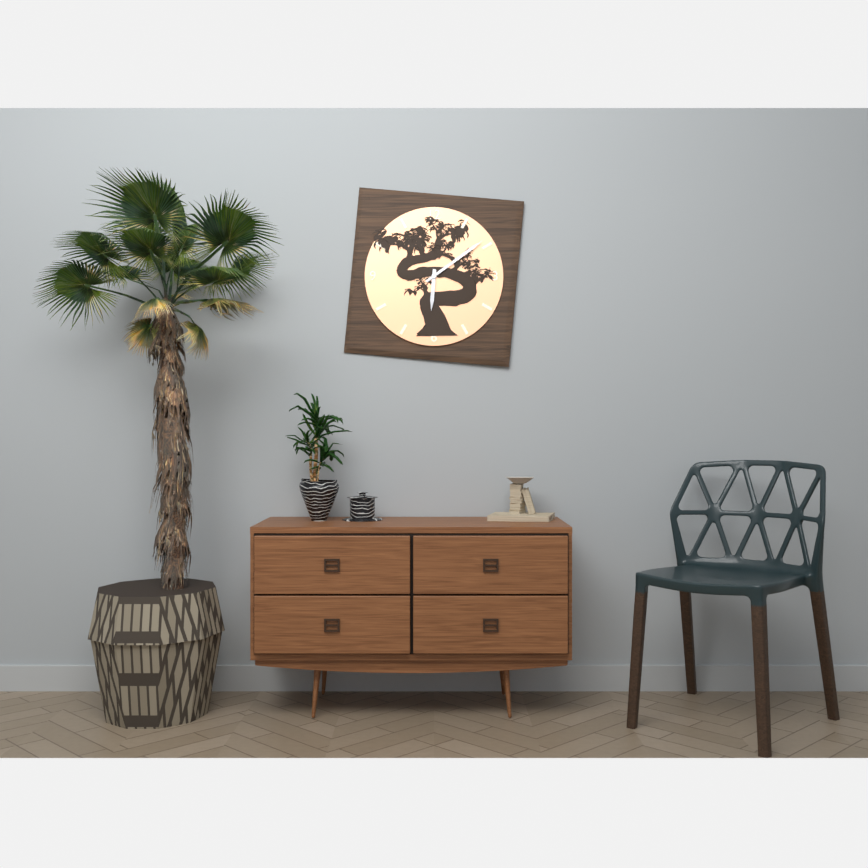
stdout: 6:09
